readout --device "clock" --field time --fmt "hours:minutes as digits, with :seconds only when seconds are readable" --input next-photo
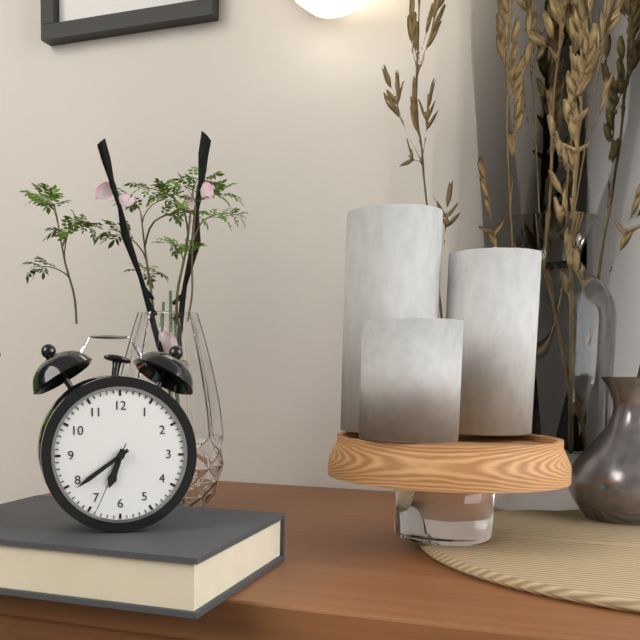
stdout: 6:39:34
